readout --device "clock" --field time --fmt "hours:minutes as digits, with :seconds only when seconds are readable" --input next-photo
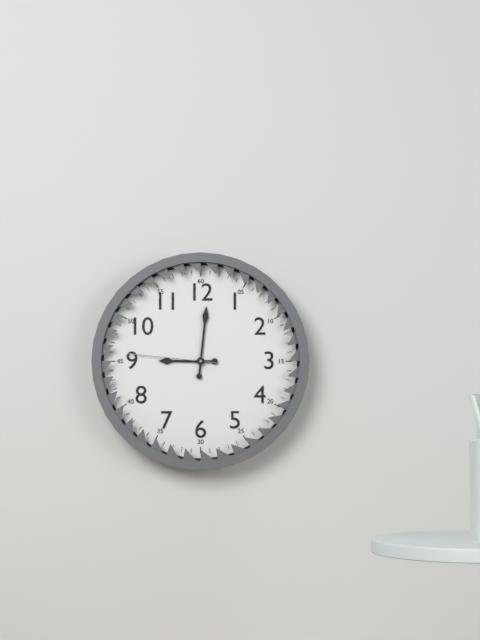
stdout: 9:01:46
